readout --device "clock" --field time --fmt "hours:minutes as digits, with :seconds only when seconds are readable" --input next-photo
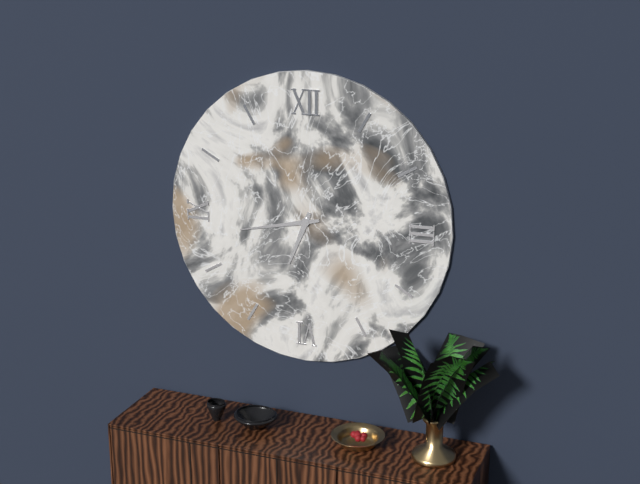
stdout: 6:43
